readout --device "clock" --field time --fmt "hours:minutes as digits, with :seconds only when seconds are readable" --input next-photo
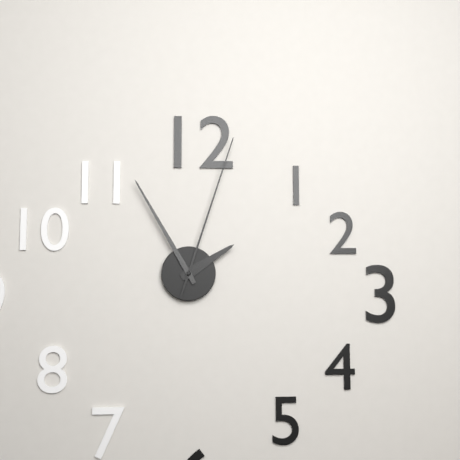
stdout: 1:55:03
